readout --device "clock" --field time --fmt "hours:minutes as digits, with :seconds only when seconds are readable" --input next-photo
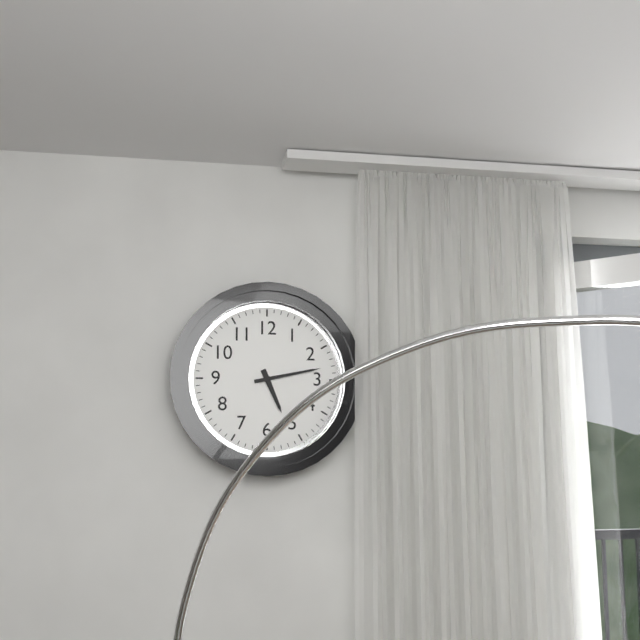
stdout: 5:13
